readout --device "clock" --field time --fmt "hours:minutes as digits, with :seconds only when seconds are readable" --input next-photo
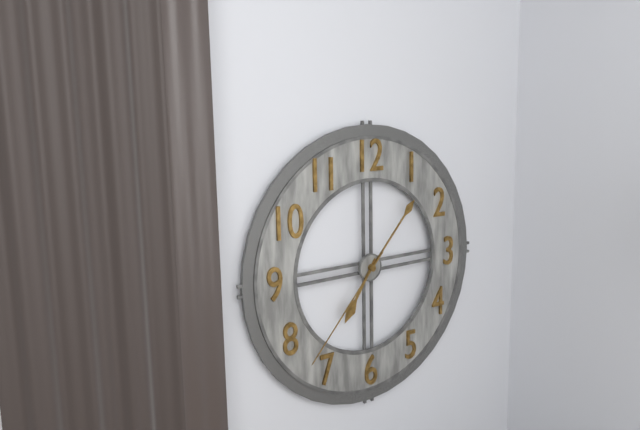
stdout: 7:07:37
